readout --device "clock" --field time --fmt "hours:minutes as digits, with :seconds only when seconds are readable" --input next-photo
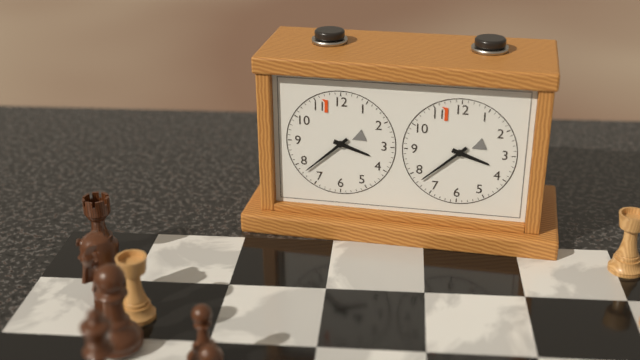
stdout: 3:38
